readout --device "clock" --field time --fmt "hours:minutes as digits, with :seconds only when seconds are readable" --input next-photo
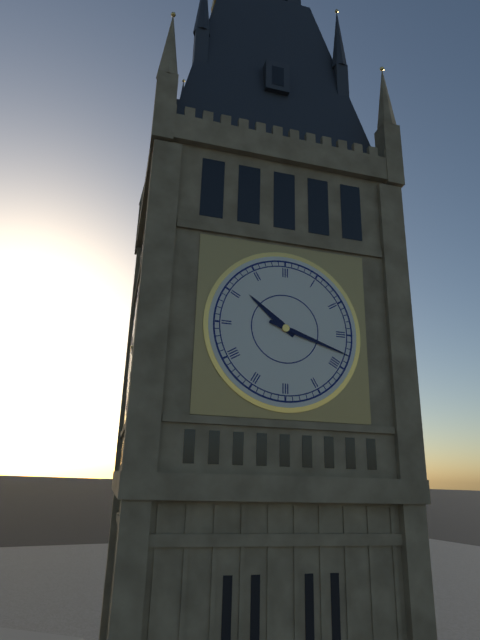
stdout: 10:18
